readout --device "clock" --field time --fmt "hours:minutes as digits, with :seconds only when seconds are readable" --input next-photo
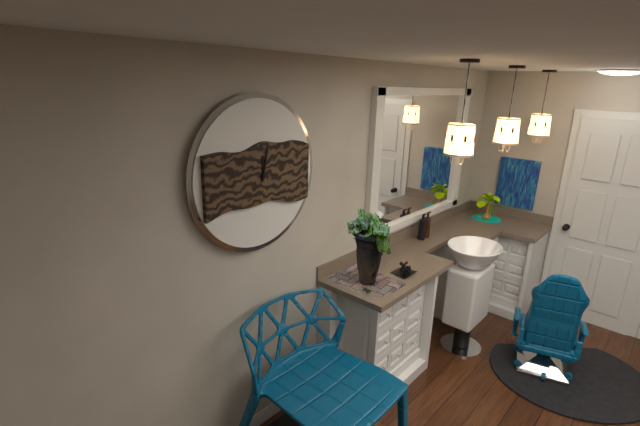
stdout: 12:02
